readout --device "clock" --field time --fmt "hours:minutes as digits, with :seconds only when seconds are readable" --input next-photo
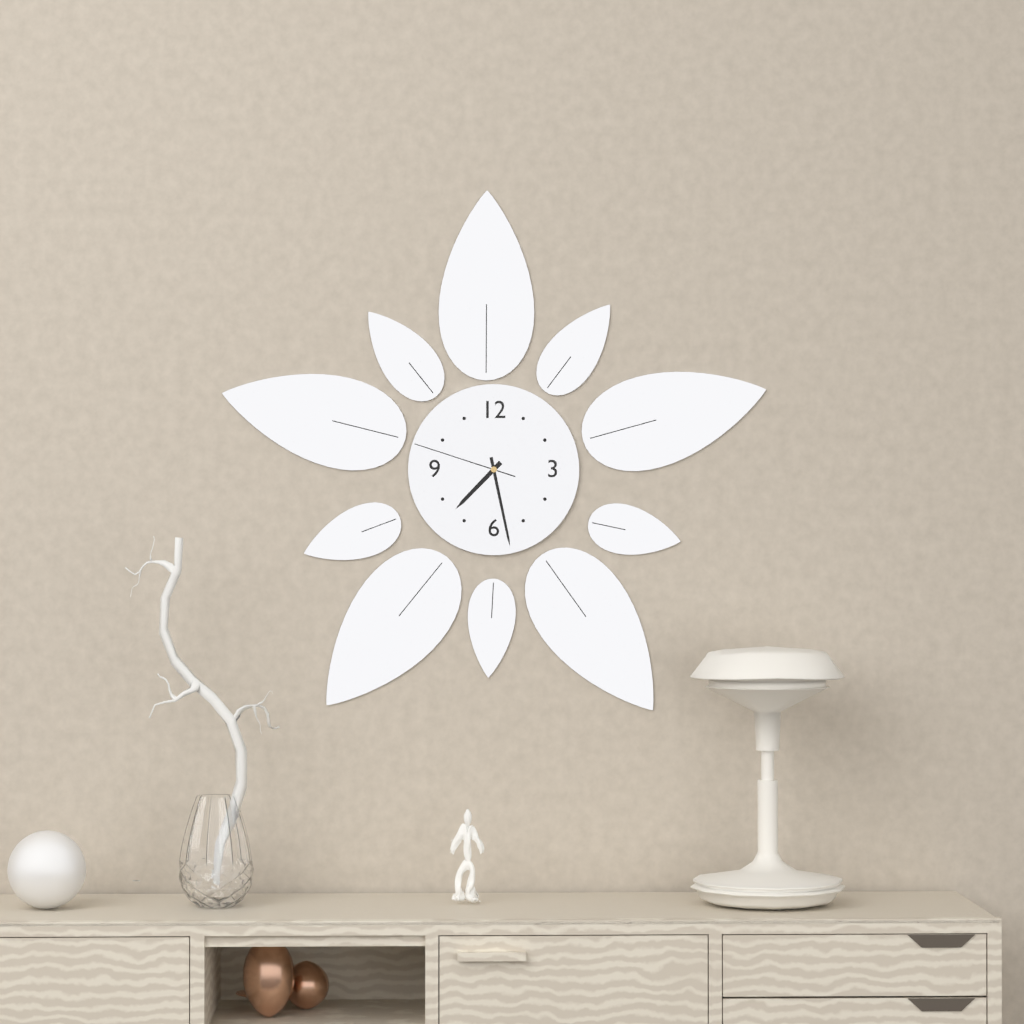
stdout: 7:28:48
